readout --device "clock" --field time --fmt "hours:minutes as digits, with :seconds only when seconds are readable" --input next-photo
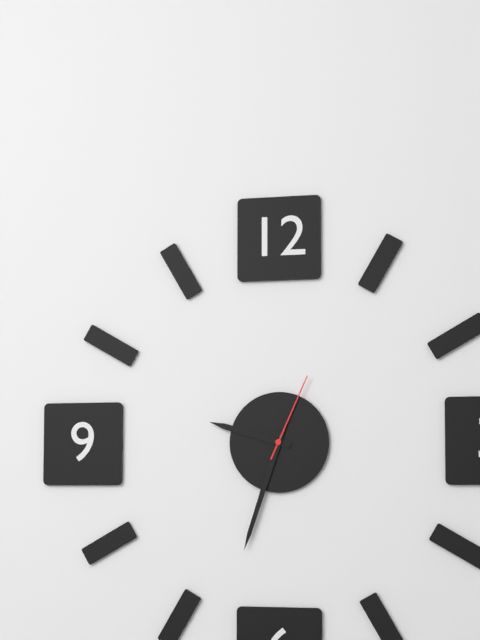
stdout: 9:33:04
